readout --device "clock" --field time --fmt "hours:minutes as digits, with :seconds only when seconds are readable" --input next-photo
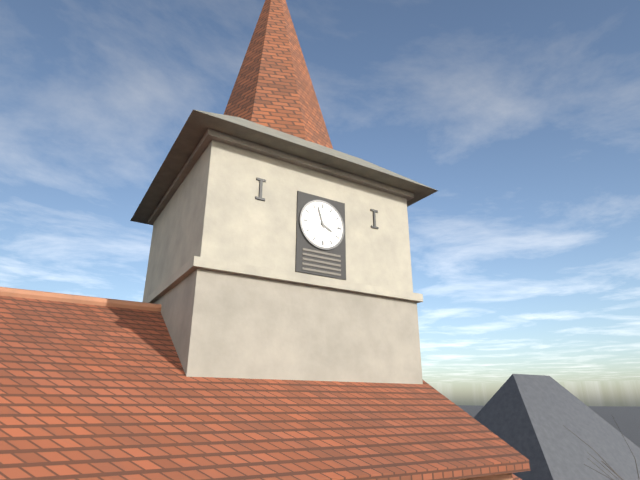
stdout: 3:57
